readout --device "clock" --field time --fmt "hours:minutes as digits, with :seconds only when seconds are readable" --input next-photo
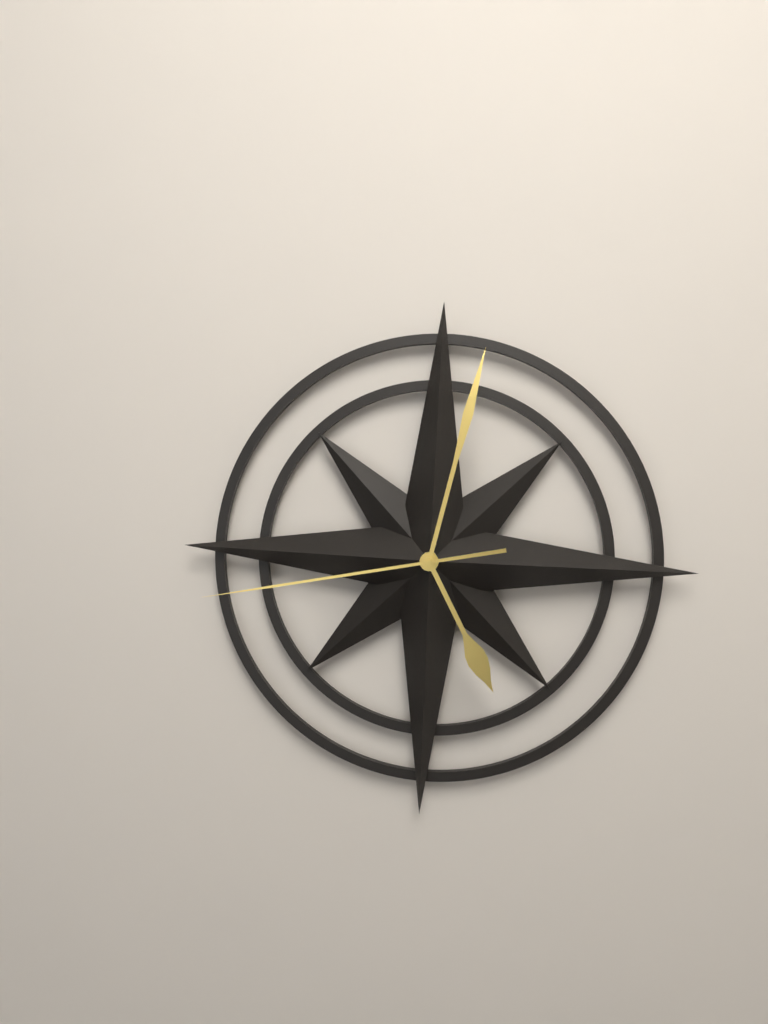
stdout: 5:02:43
